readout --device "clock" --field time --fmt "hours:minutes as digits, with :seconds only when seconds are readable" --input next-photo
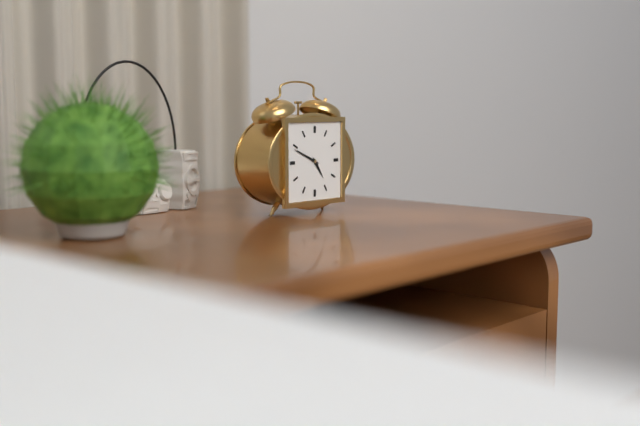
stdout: 4:49
